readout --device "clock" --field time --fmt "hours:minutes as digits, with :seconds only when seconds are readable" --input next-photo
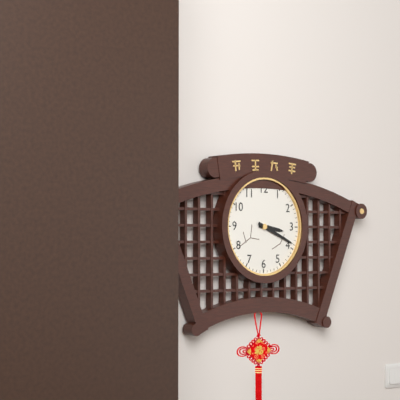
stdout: 3:19
